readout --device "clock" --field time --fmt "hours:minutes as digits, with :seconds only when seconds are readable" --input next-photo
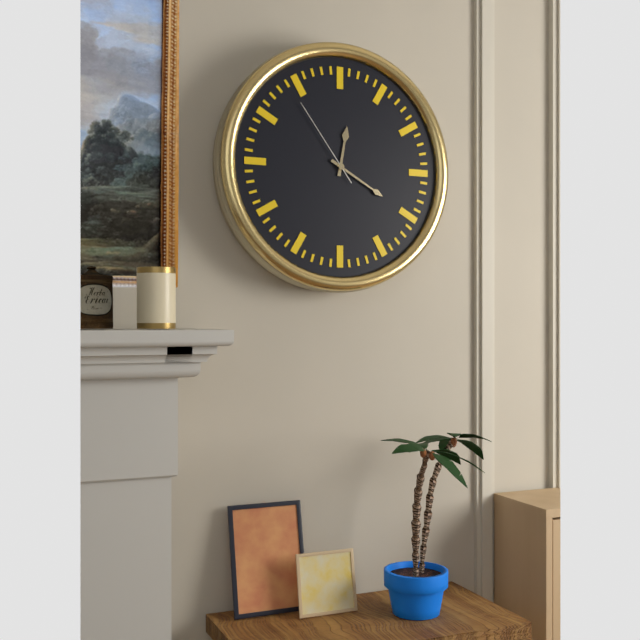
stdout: 12:20:54
